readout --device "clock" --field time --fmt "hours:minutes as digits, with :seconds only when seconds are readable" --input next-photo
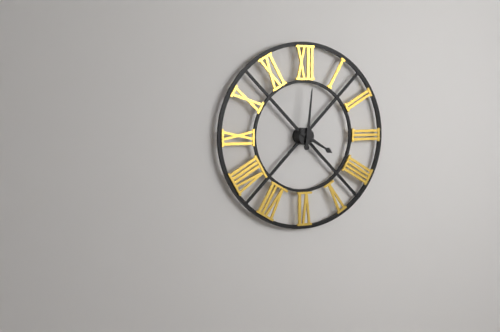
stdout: 4:01
